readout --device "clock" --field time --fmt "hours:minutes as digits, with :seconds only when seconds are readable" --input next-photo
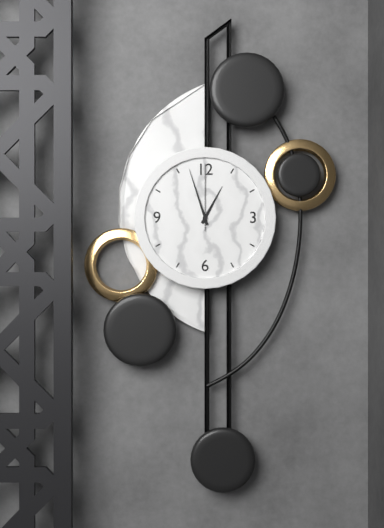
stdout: 12:57:00
